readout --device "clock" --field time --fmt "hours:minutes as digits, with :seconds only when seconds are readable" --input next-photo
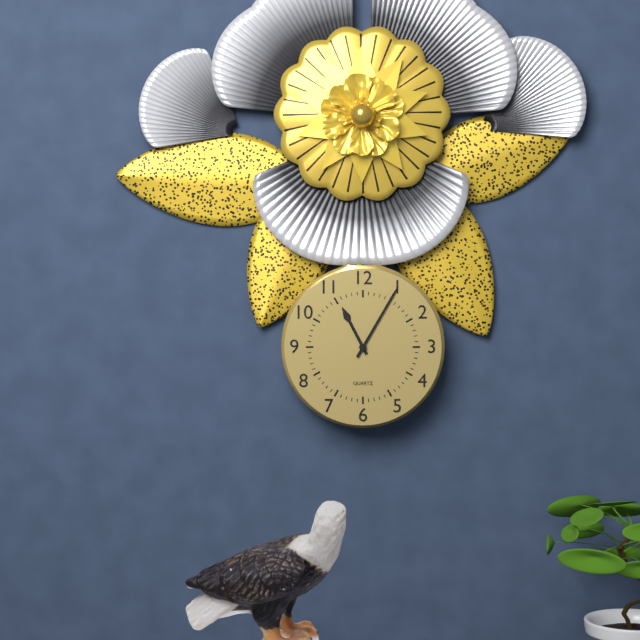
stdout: 11:05
